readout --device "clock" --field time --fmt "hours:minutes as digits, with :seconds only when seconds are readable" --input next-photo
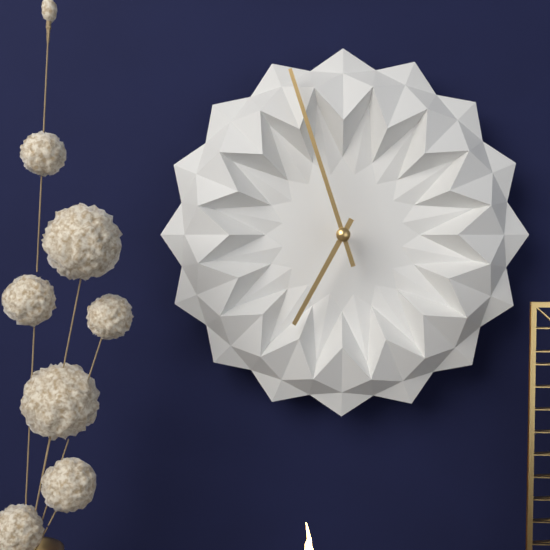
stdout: 6:57
